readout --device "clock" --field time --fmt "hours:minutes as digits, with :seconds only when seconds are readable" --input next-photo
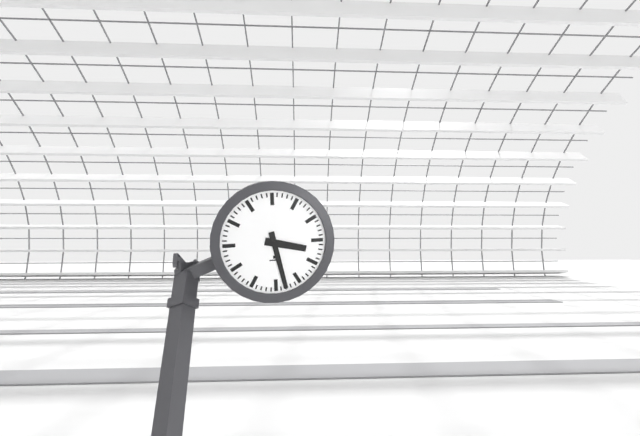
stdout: 3:28
